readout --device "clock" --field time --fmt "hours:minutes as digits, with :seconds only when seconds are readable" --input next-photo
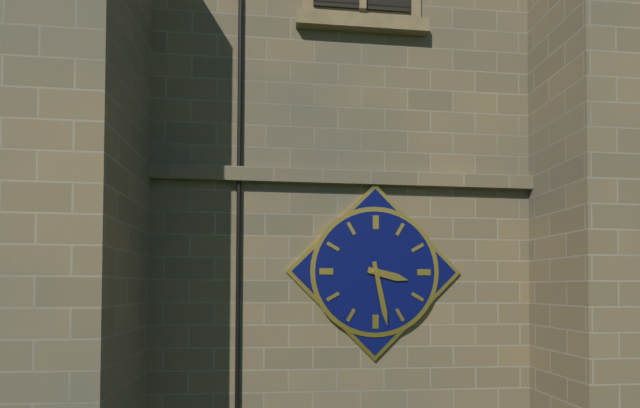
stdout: 3:28
